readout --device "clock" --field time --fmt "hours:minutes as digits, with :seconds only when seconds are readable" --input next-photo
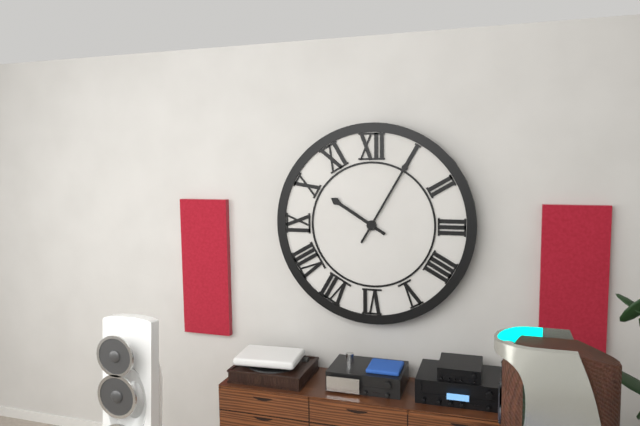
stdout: 10:05
